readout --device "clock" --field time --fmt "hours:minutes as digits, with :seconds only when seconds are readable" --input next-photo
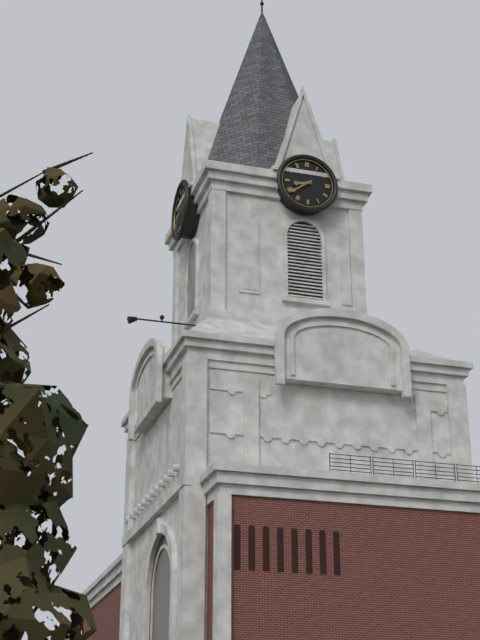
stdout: 8:39
